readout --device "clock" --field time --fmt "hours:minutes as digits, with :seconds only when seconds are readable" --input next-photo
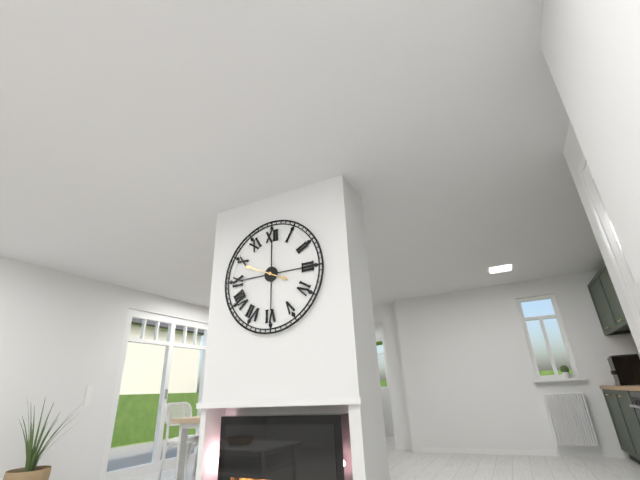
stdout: 3:49
